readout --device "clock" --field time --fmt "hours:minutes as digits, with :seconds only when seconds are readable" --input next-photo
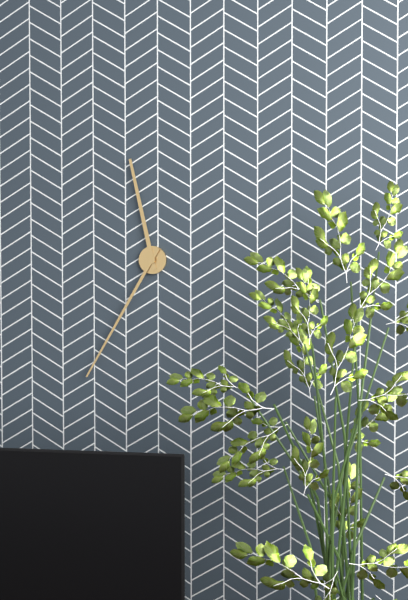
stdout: 11:35
